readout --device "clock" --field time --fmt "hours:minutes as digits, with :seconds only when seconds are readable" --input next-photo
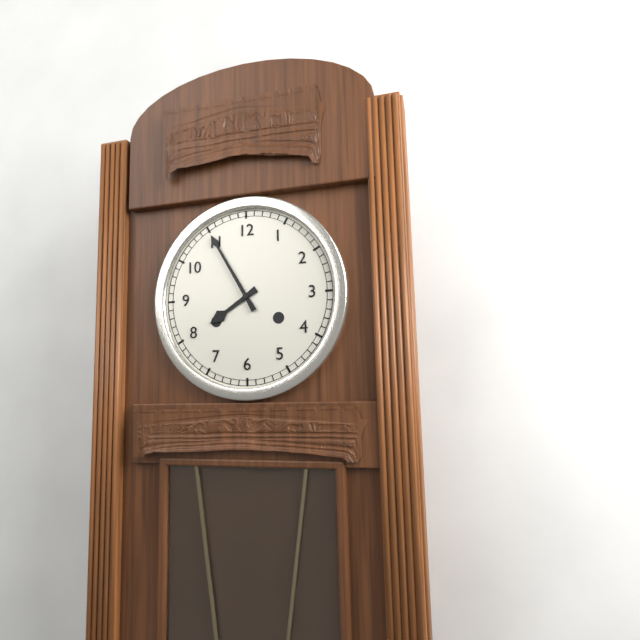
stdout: 7:55
